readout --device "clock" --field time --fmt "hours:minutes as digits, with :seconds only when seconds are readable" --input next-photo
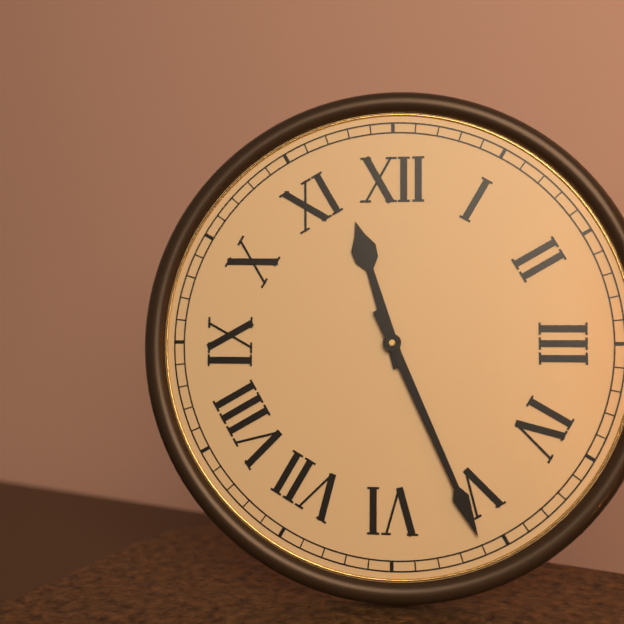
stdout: 11:26
